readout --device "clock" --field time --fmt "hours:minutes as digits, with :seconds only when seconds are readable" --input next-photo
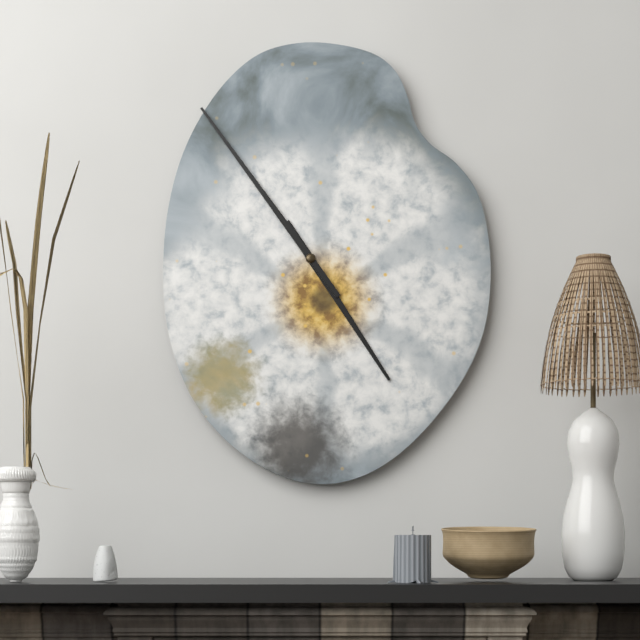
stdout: 4:54
